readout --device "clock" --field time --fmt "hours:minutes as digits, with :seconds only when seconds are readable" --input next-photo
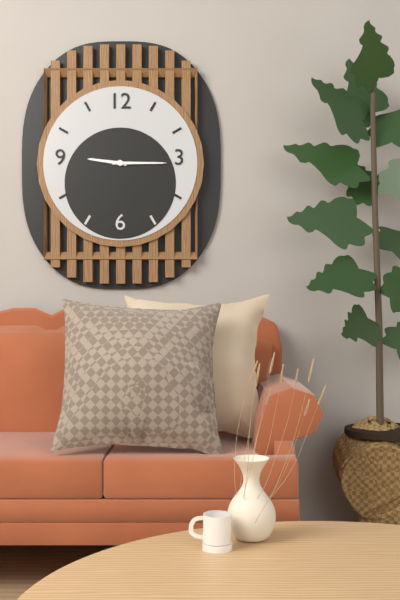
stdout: 9:15
